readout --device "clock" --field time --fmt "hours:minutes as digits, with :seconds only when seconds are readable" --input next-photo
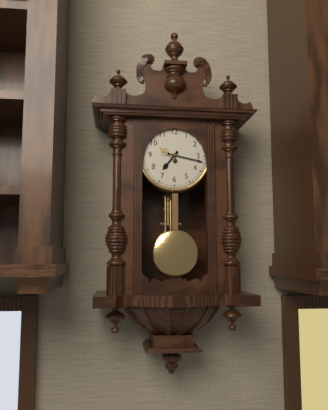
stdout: 7:17
